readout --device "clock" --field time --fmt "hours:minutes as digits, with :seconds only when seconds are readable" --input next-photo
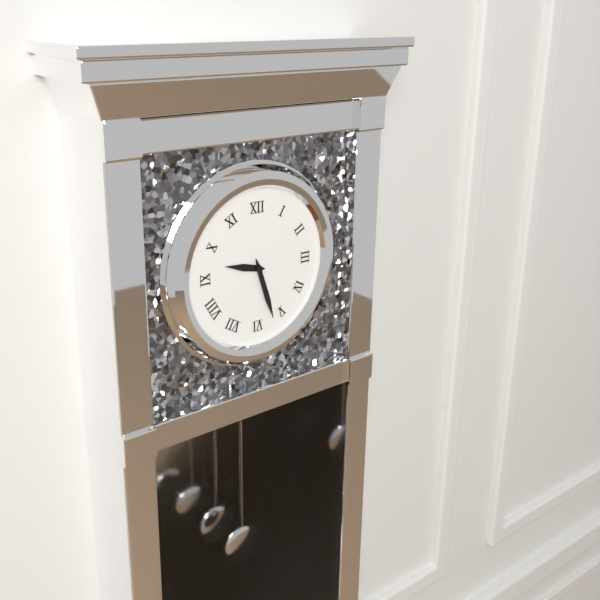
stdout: 9:27
